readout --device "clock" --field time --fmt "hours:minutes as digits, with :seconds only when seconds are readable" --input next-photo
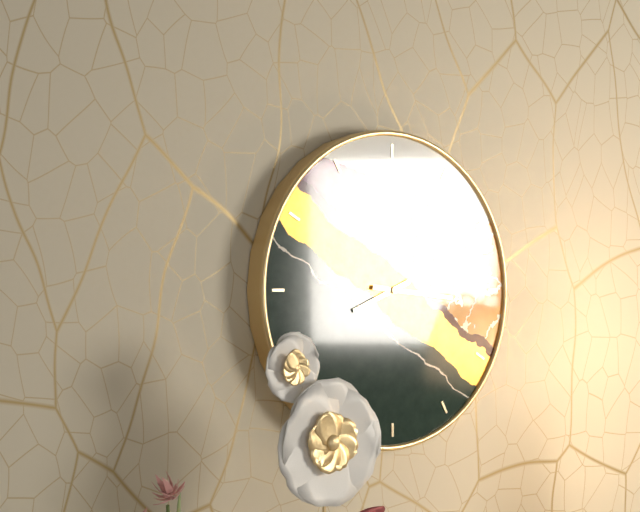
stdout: 8:16
